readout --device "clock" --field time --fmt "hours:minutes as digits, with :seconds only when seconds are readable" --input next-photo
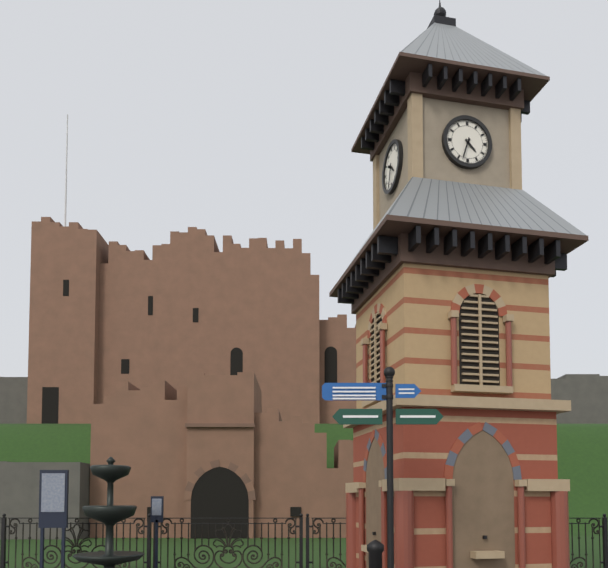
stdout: 4:33
